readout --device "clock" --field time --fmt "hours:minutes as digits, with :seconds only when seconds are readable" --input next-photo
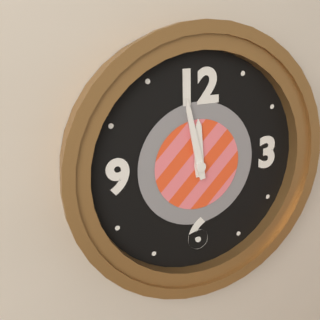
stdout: 11:58
